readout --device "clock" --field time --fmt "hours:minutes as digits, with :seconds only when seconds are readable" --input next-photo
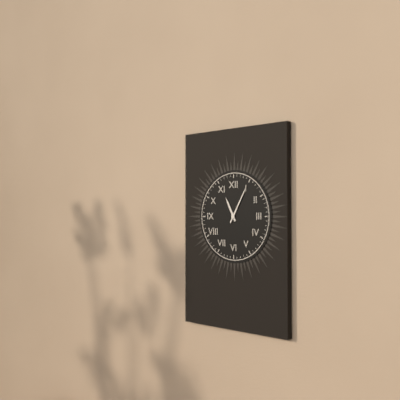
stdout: 11:05
